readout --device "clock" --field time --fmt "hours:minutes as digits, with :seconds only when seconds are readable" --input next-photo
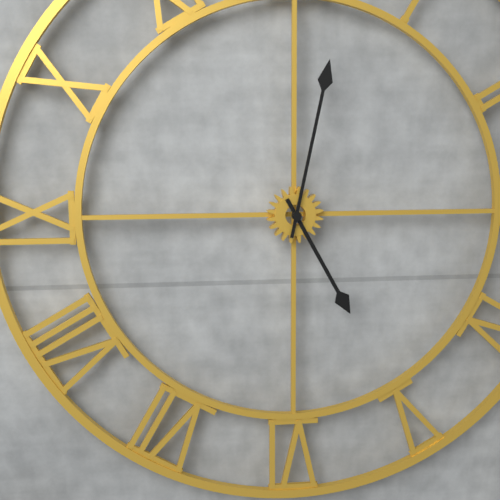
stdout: 5:02
